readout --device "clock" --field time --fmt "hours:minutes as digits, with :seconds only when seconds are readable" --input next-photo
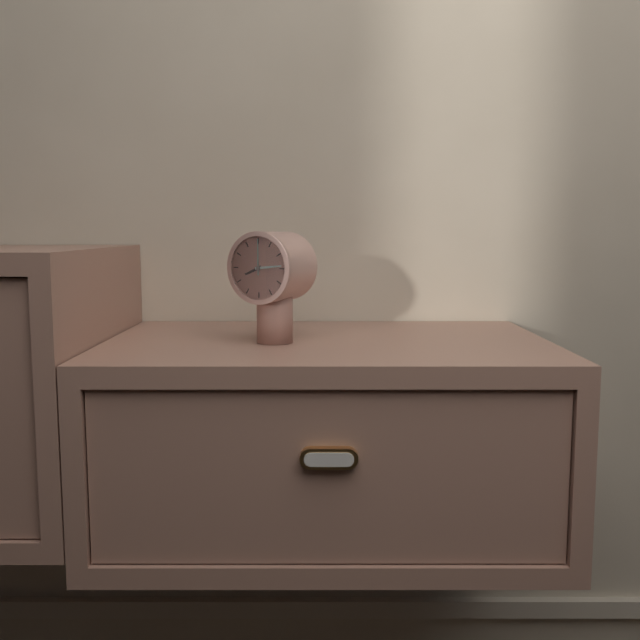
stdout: 8:14
